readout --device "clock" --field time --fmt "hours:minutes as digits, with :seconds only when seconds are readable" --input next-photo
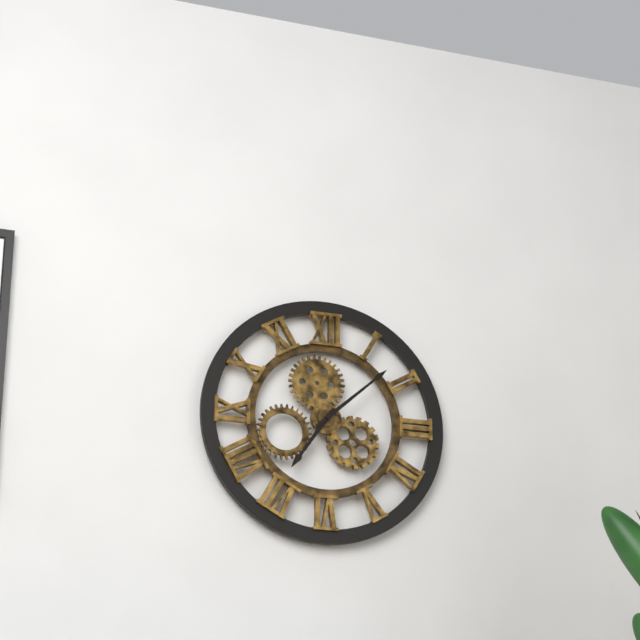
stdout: 7:08
